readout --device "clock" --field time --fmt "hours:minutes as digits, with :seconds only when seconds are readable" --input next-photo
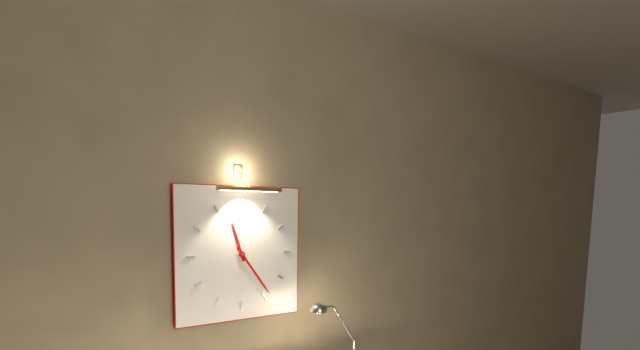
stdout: 11:24
